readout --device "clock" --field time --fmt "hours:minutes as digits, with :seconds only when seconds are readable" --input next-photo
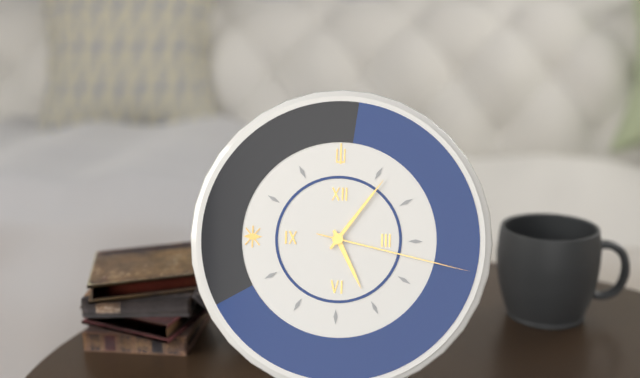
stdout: 5:06:17
